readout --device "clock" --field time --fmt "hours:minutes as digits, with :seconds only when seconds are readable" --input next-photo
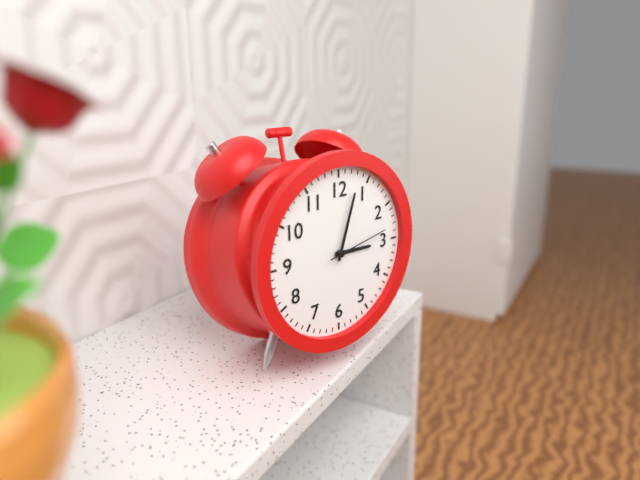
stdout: 3:03:13
